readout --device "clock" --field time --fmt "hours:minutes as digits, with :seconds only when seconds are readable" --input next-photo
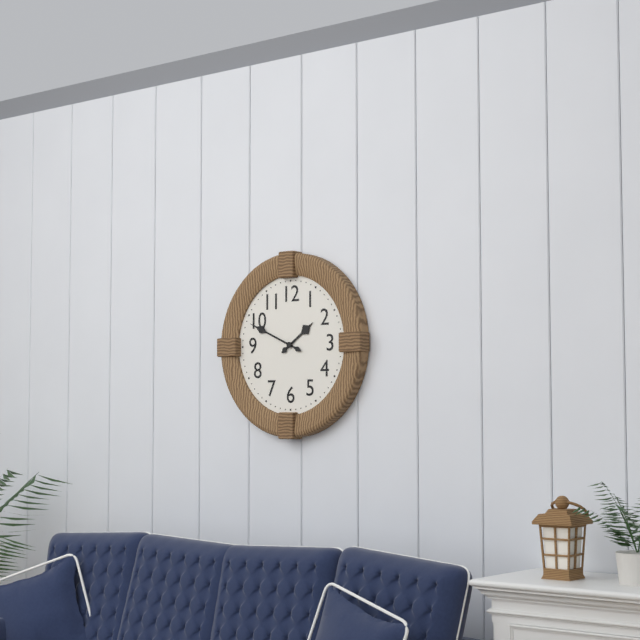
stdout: 1:49
